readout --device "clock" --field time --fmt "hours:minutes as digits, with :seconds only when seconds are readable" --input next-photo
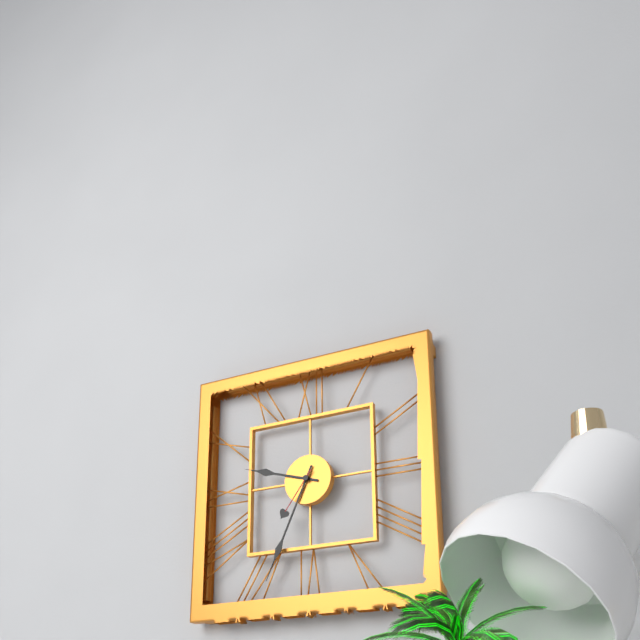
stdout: 9:34:36
